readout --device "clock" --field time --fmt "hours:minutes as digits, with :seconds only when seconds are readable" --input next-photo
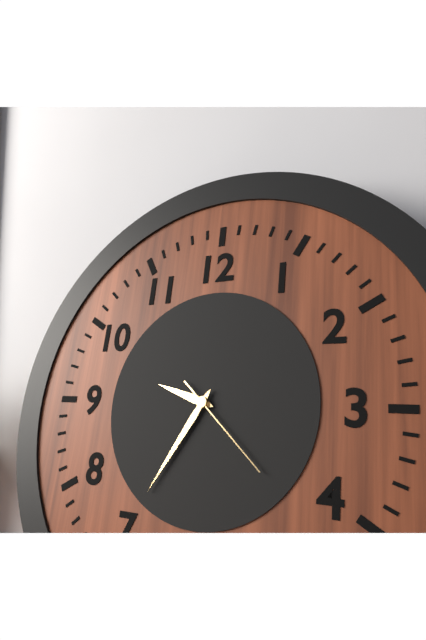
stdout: 9:35:22
